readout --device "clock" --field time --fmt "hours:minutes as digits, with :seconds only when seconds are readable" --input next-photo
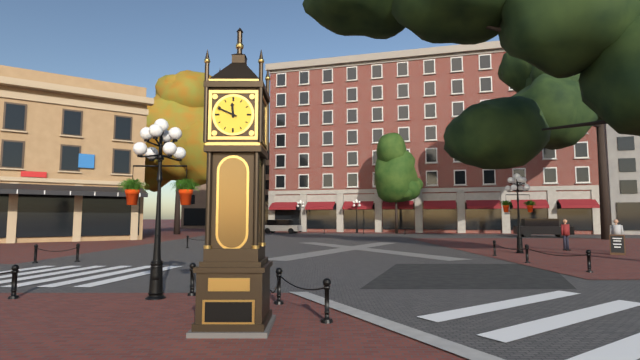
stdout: 11:49
